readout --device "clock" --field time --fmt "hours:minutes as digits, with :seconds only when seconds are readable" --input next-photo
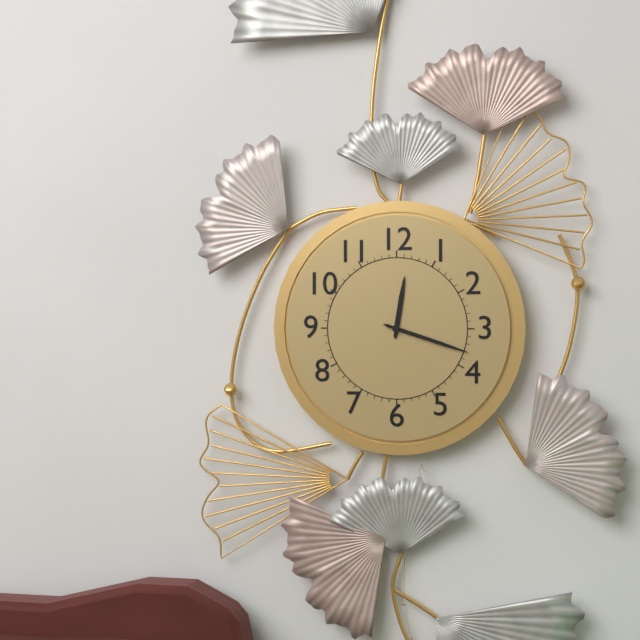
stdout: 12:18
